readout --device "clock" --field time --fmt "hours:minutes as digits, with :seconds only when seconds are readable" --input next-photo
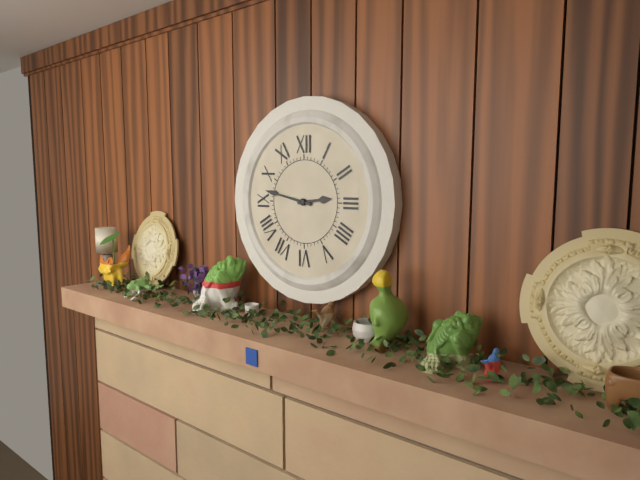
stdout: 2:47
